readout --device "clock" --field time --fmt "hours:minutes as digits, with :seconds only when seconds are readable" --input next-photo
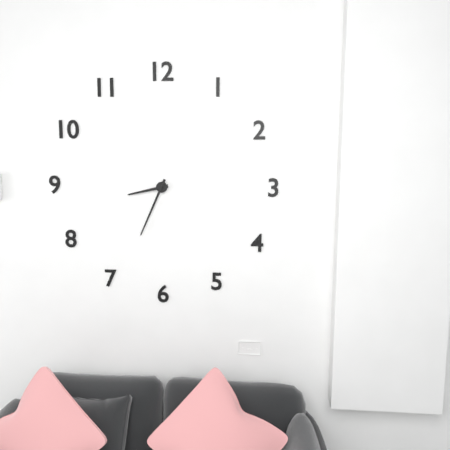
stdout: 8:34
